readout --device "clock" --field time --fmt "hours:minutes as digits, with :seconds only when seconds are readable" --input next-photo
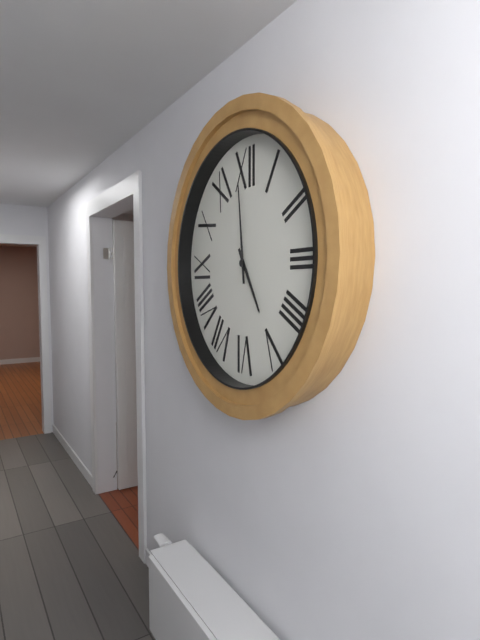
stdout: 4:59
